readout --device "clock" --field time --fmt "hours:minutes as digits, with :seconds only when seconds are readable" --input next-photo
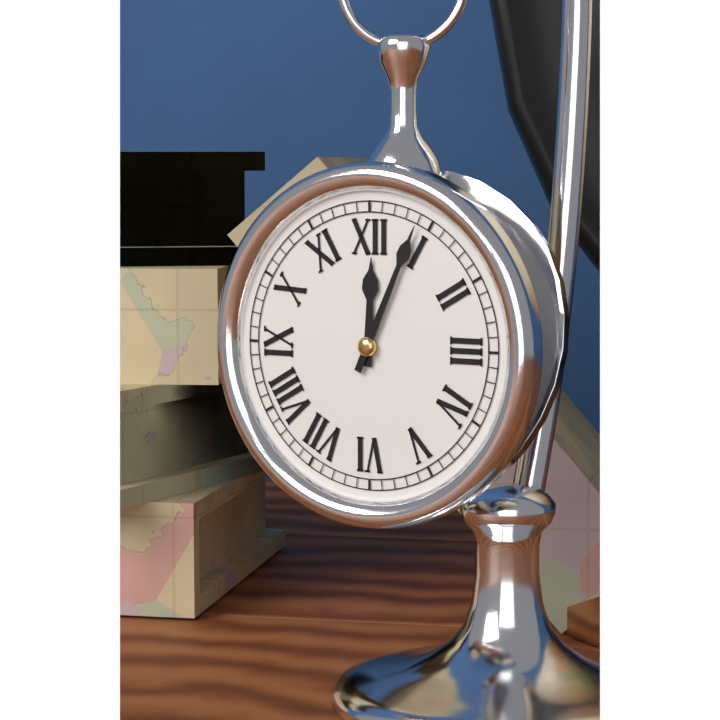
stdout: 12:04
